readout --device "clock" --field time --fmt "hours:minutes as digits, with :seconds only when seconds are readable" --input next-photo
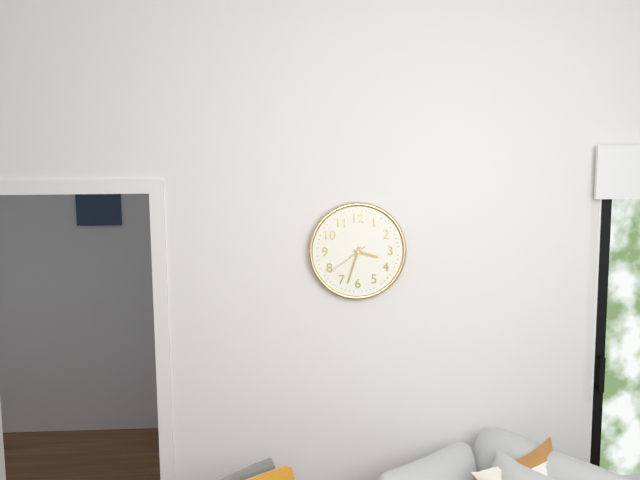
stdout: 3:33
